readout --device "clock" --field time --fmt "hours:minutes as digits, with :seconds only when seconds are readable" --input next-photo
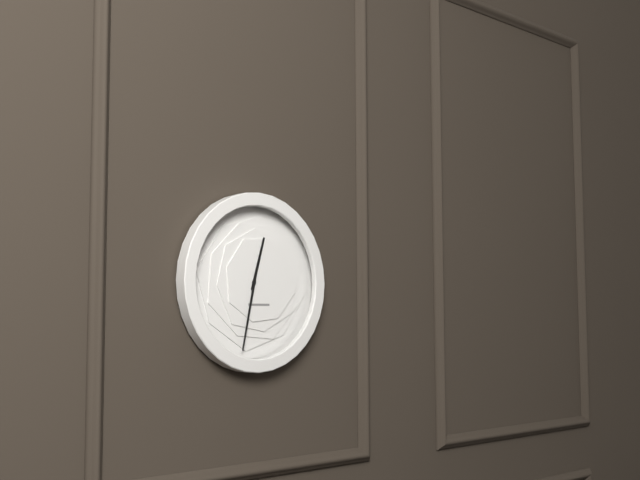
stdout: 12:32
